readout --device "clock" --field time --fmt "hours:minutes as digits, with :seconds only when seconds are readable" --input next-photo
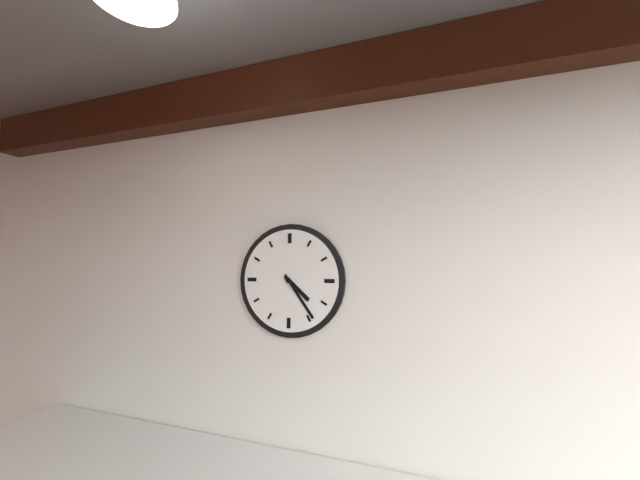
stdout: 4:24
